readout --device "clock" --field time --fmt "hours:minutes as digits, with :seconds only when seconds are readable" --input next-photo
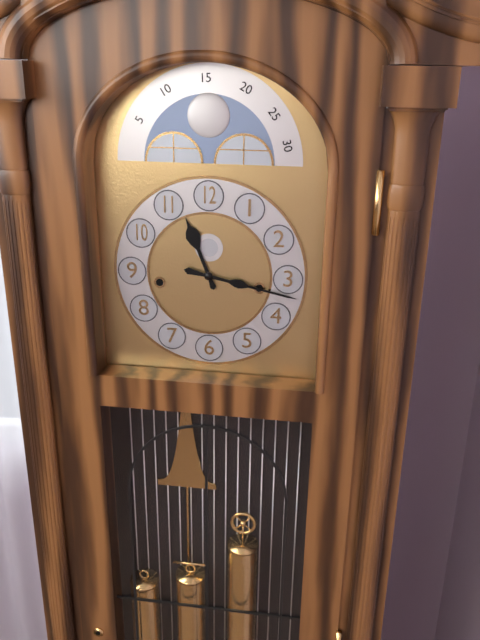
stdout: 11:17
